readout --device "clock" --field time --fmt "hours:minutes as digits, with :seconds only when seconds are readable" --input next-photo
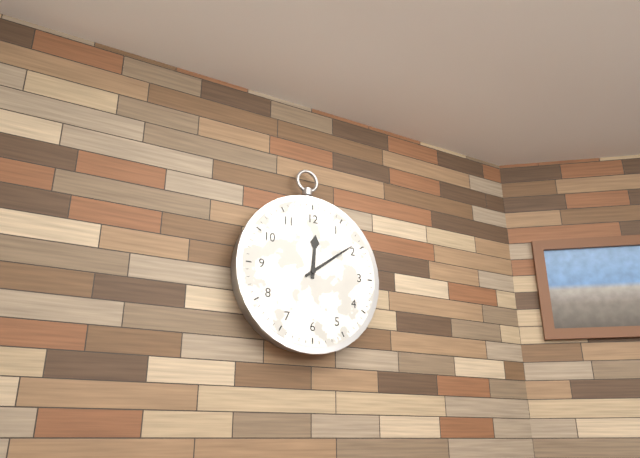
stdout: 12:09
